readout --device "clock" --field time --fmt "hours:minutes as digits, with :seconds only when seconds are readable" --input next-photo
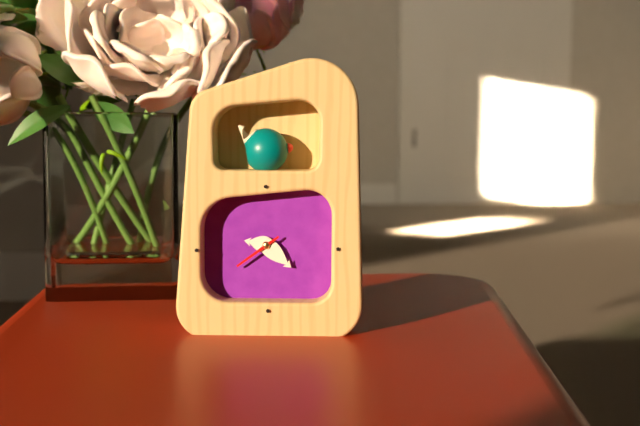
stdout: 9:22
